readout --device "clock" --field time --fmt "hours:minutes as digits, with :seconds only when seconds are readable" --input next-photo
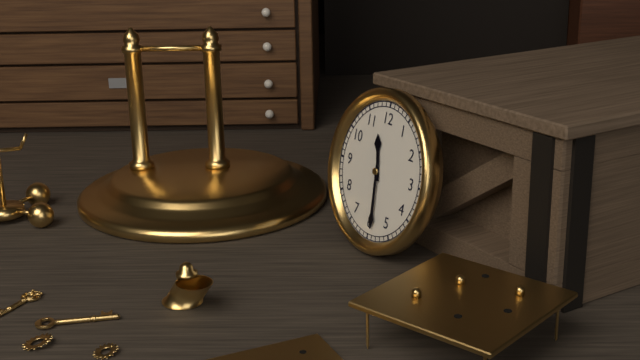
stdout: 11:29
